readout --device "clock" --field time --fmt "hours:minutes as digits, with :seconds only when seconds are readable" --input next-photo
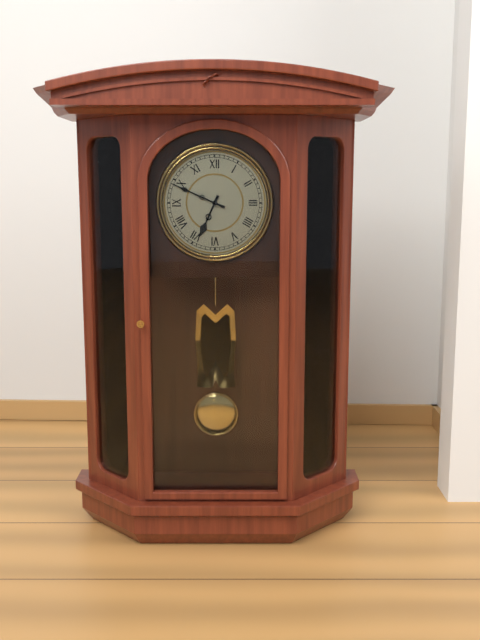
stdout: 6:49
